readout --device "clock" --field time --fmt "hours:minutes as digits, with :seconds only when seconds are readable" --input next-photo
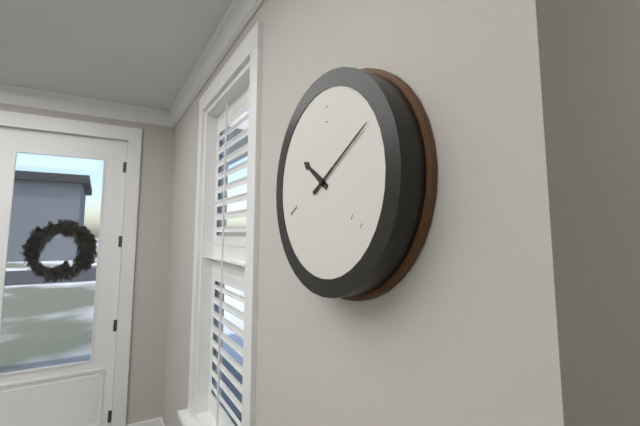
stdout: 10:10
